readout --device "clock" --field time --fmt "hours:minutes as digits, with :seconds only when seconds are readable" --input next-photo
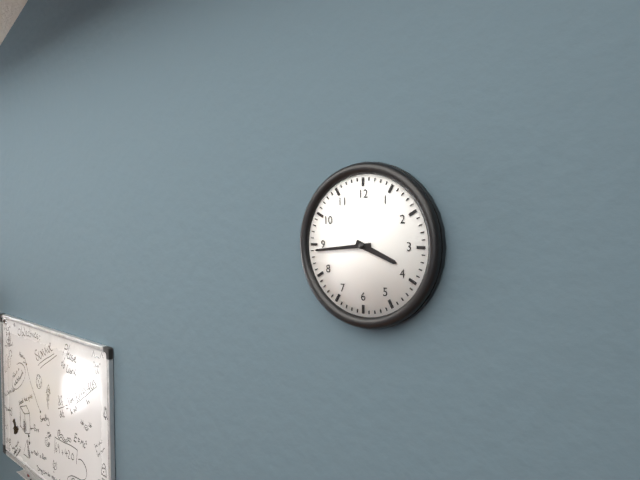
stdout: 3:44
